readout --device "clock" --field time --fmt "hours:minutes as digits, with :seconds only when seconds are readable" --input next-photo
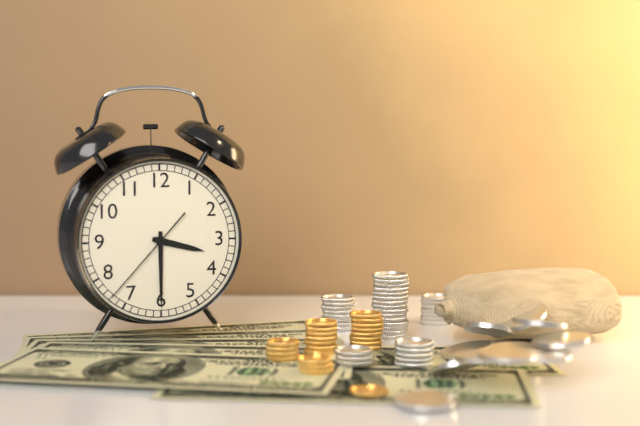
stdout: 3:30:37
